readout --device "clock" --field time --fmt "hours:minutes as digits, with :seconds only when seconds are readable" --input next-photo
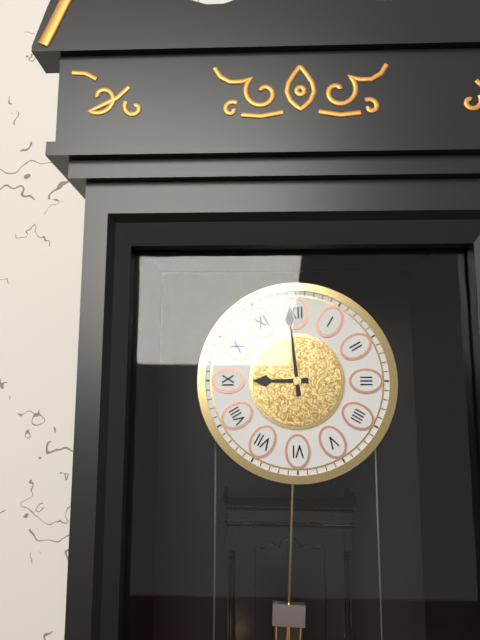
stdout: 8:59
